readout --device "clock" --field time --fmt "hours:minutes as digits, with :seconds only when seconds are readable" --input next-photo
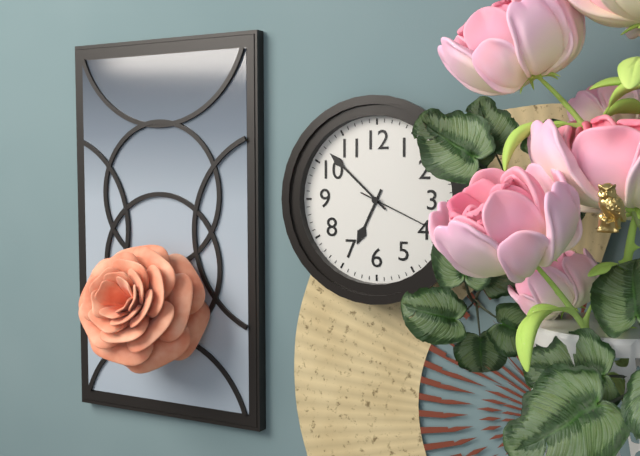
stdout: 6:52:19
